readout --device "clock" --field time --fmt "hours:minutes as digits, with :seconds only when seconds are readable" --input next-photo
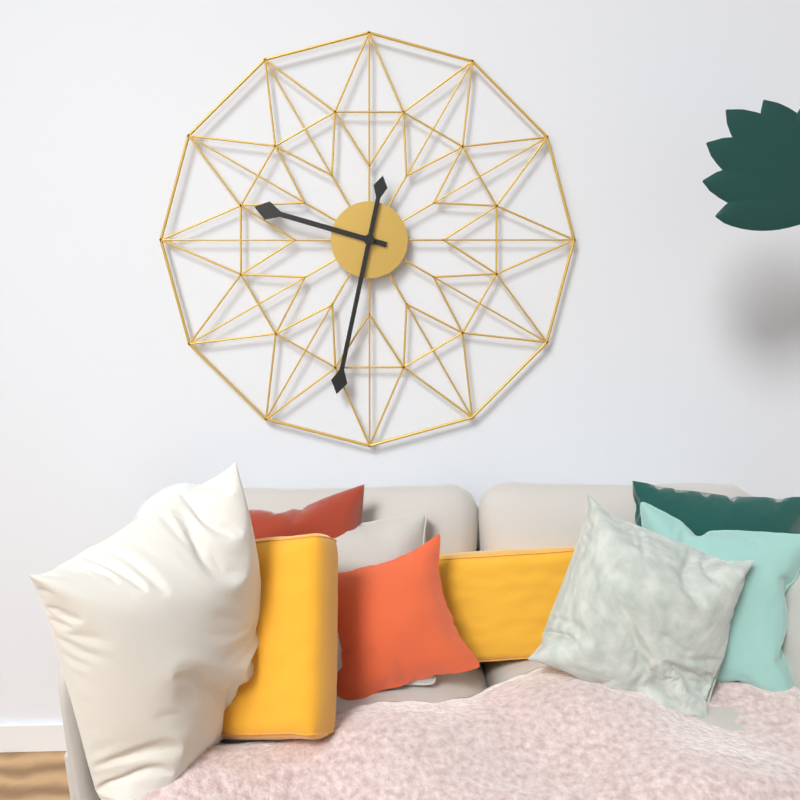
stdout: 9:32
